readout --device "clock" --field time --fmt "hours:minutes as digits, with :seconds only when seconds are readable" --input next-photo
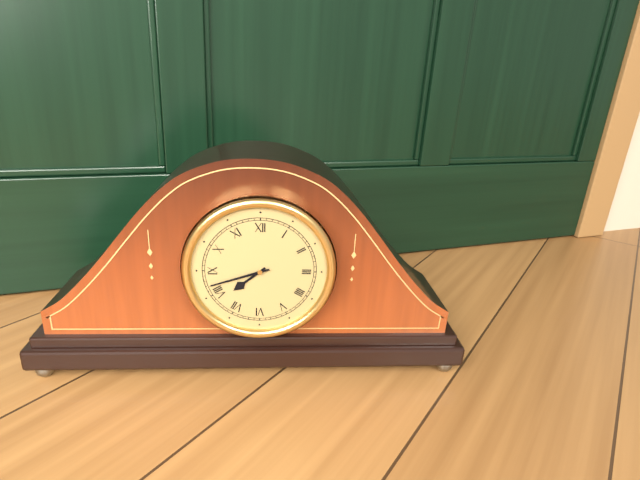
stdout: 7:42
